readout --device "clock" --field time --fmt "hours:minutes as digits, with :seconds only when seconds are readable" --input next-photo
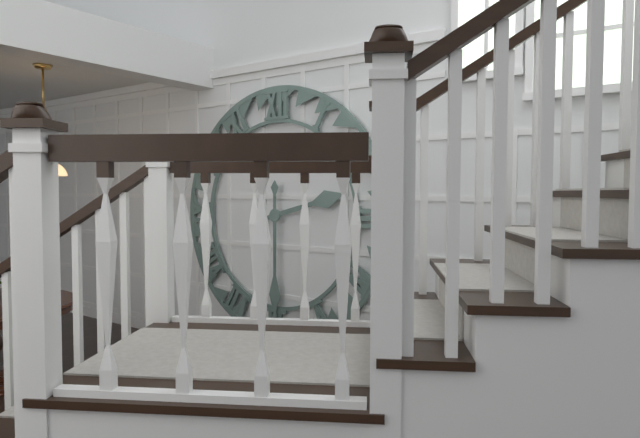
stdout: 2:30
